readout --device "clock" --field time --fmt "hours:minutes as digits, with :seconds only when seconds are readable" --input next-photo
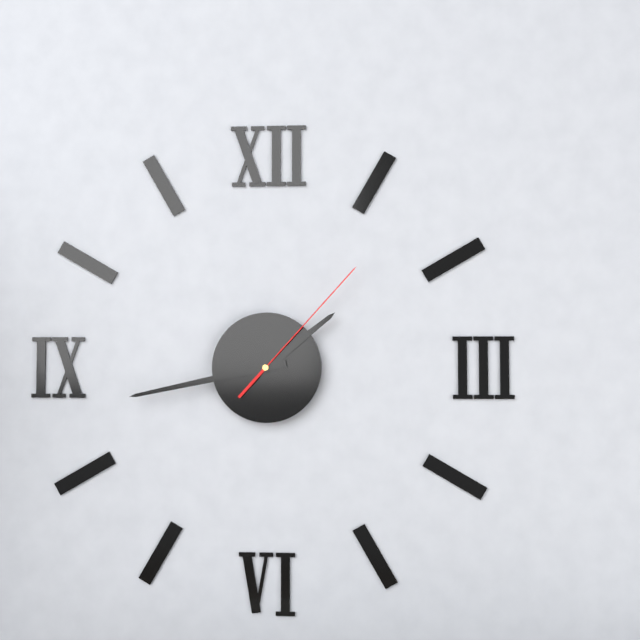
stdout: 1:43:07
